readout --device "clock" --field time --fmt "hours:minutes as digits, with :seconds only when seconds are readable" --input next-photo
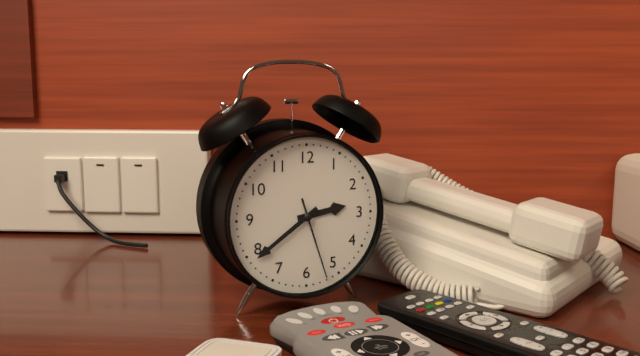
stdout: 2:39:27
